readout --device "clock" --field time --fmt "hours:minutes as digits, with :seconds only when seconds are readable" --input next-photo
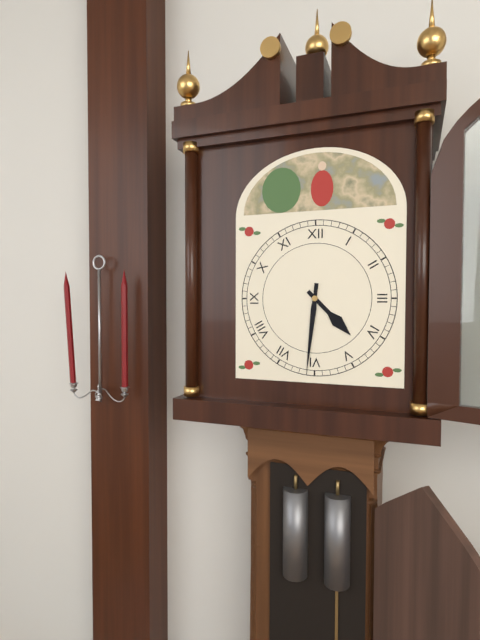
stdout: 4:31
